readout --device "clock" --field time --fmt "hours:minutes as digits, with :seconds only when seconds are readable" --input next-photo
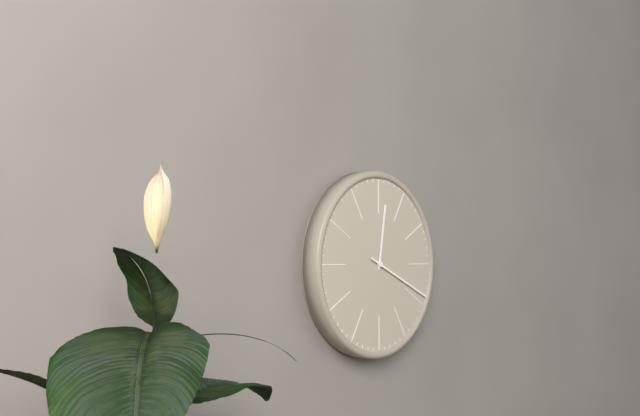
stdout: 12:19
